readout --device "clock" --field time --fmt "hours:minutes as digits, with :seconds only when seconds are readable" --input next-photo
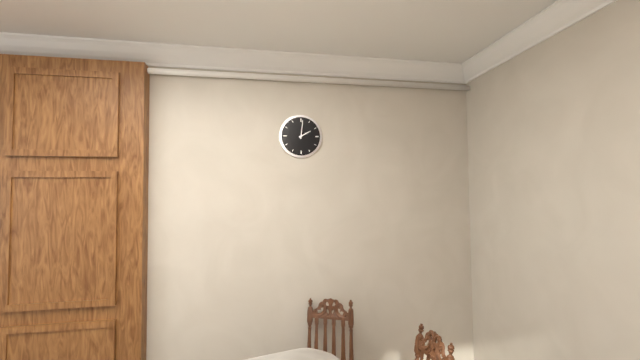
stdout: 2:01
